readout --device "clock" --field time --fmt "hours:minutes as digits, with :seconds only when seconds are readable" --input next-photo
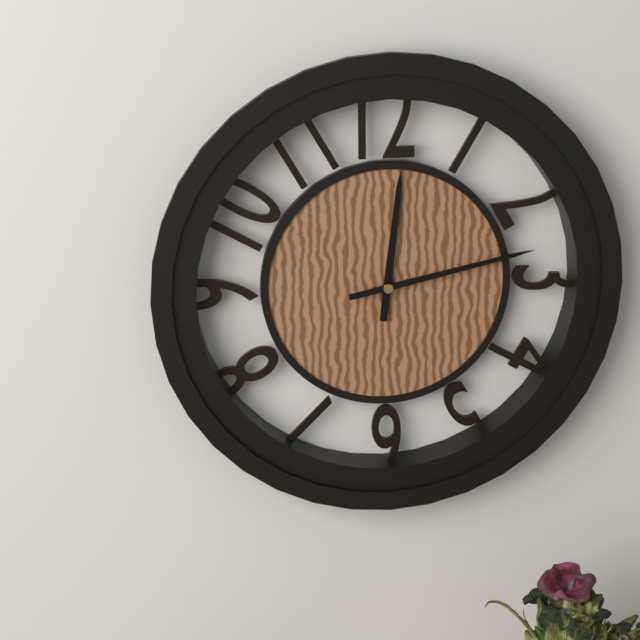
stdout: 12:13
